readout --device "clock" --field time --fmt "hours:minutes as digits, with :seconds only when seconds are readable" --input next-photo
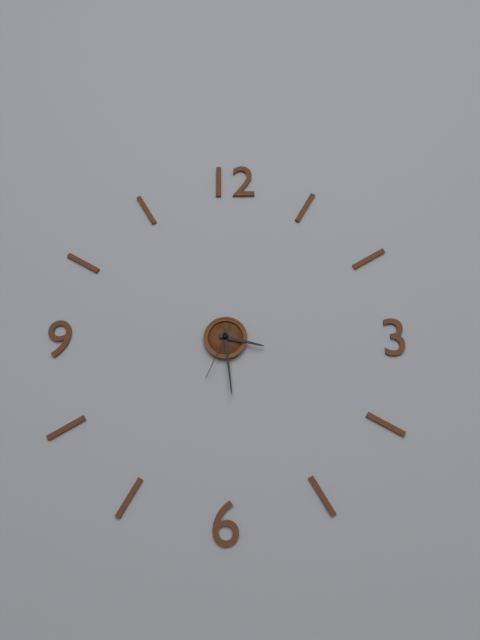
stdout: 3:29:34
